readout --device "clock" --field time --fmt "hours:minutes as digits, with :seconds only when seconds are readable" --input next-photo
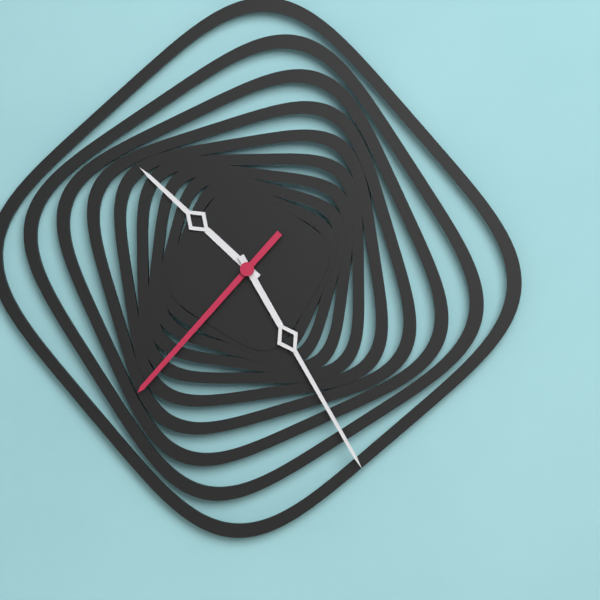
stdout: 10:25:37
